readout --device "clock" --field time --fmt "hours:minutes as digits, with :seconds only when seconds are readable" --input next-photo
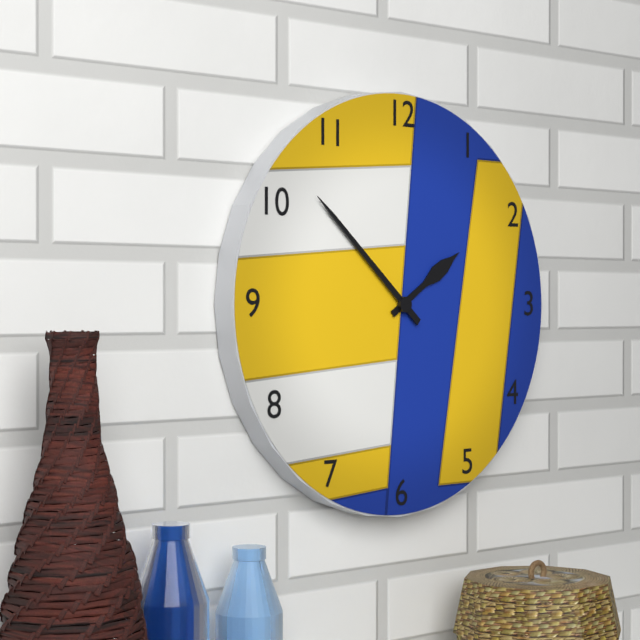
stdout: 1:52
